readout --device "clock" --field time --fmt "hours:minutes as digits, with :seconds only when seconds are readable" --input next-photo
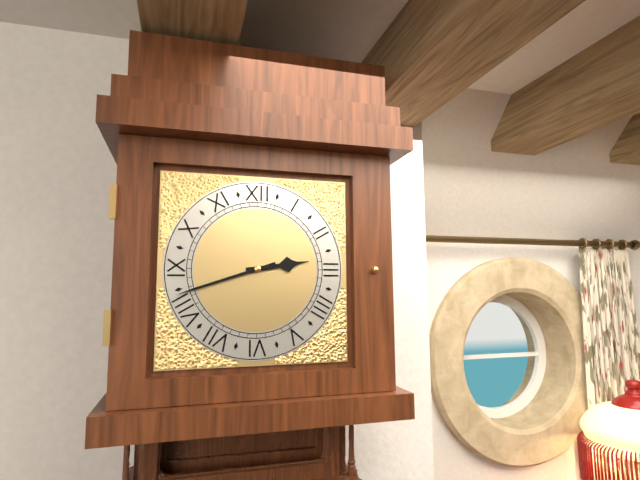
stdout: 2:42
